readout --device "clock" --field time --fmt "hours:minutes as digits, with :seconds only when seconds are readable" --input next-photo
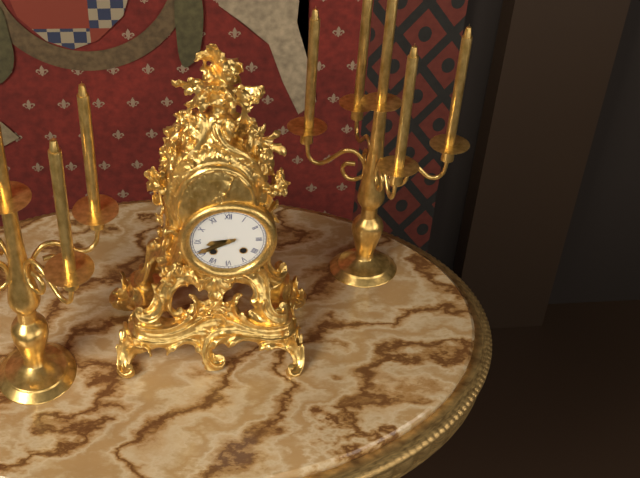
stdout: 8:41
